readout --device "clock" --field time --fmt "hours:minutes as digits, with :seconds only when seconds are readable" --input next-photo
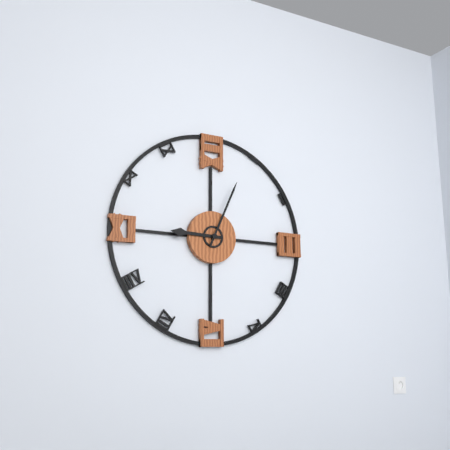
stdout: 9:04
